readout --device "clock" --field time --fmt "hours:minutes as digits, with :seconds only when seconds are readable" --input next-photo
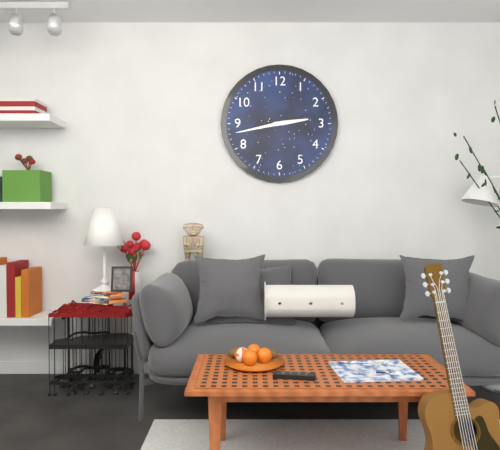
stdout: 2:43
